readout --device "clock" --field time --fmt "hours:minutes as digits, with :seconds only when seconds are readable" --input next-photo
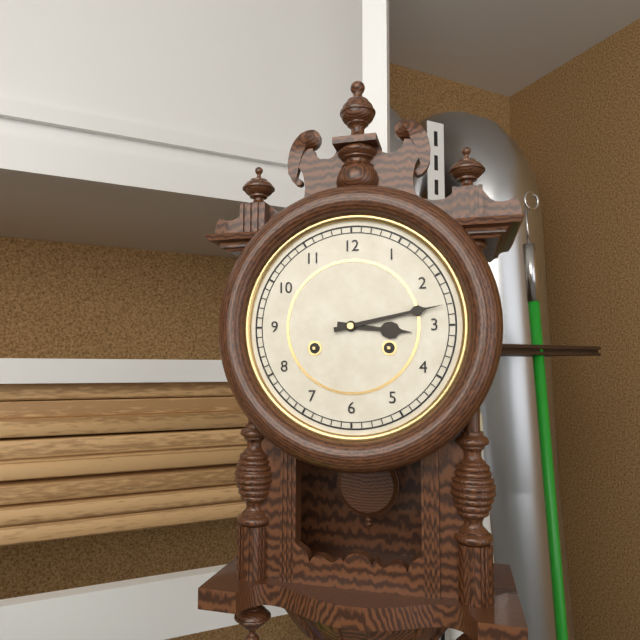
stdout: 3:13
